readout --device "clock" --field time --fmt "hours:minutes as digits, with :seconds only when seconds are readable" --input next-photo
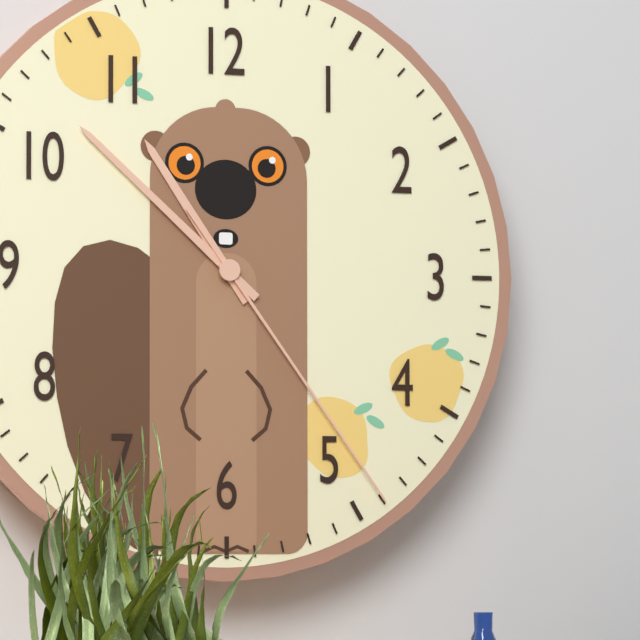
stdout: 10:52:24
